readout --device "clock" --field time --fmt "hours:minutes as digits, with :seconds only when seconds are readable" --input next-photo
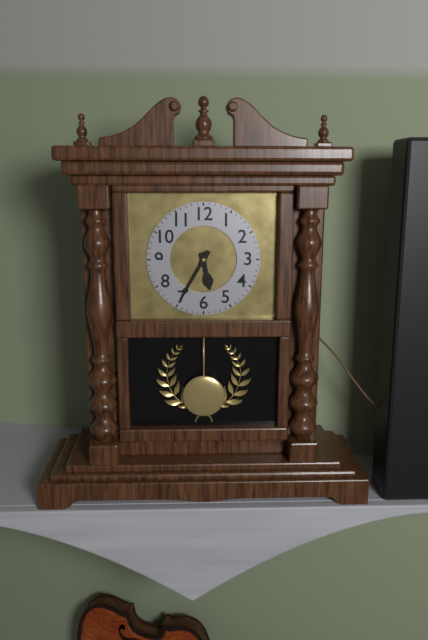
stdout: 5:35
